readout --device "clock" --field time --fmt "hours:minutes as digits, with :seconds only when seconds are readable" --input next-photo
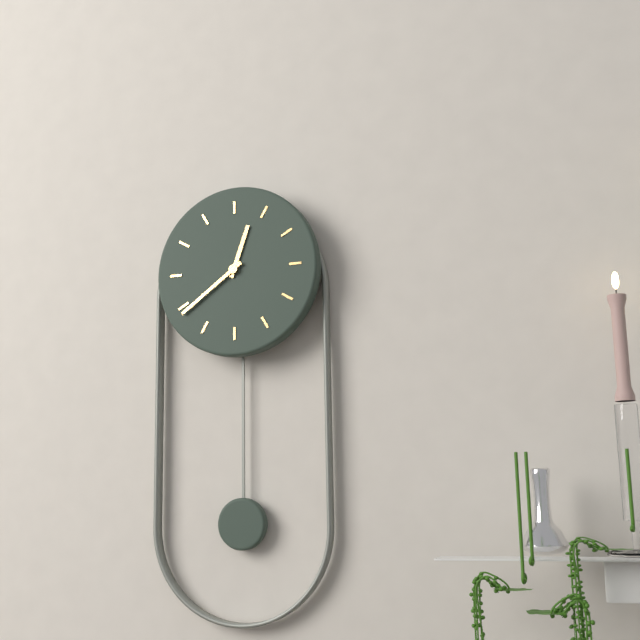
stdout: 12:39
